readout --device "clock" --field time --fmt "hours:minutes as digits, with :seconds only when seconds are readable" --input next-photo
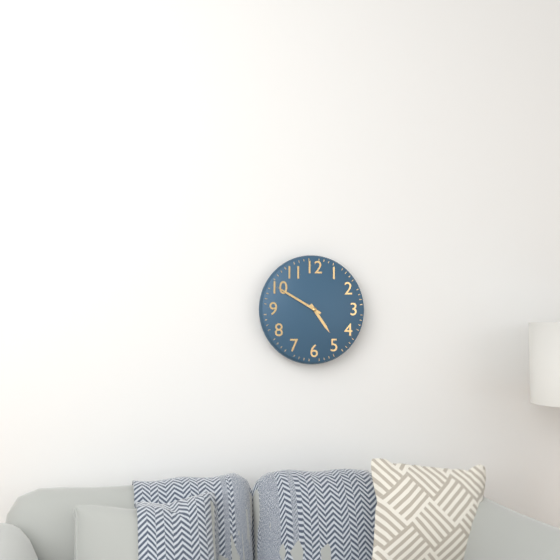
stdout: 4:50
